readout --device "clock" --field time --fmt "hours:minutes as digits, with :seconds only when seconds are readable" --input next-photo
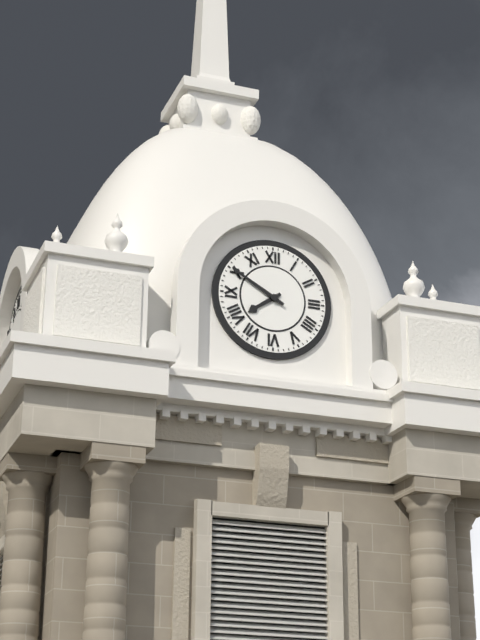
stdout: 7:50
